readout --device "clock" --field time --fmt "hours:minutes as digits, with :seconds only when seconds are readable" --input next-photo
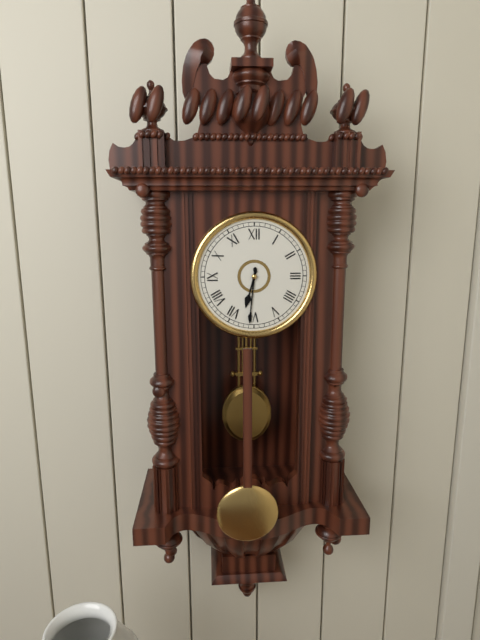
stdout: 6:31
